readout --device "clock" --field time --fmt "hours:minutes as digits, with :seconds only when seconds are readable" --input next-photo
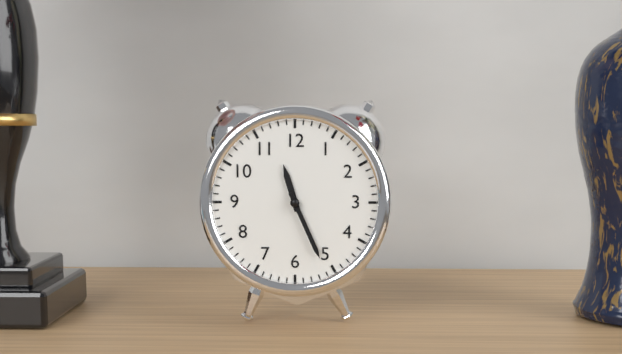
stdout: 11:26
